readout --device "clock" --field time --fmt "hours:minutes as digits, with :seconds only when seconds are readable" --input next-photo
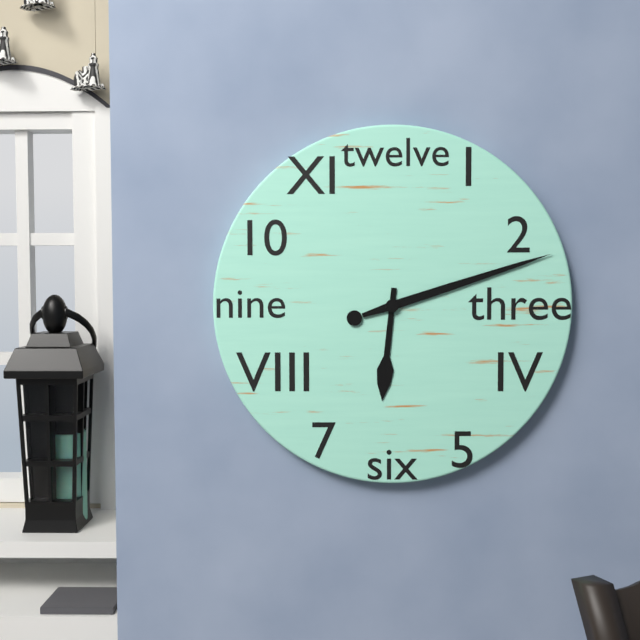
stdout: 6:12
